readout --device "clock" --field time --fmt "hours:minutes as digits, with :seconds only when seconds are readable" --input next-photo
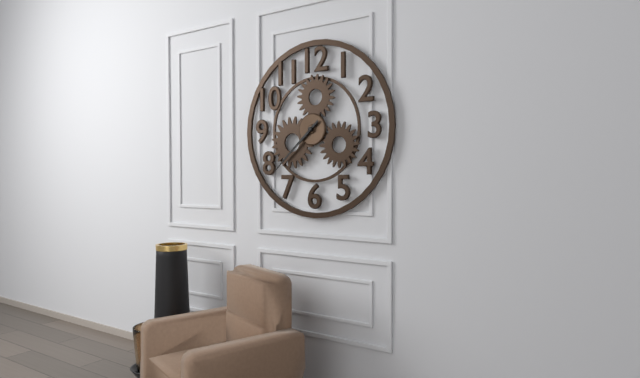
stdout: 7:38
